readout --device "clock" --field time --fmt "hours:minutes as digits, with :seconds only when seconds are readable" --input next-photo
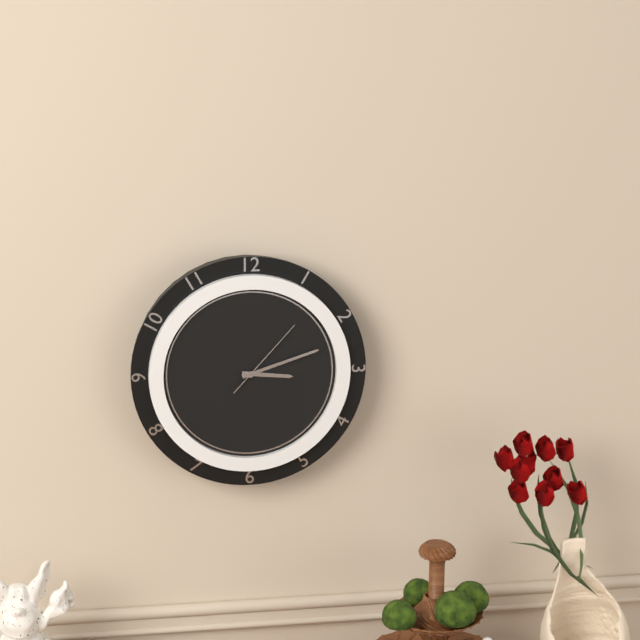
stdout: 3:12:07
